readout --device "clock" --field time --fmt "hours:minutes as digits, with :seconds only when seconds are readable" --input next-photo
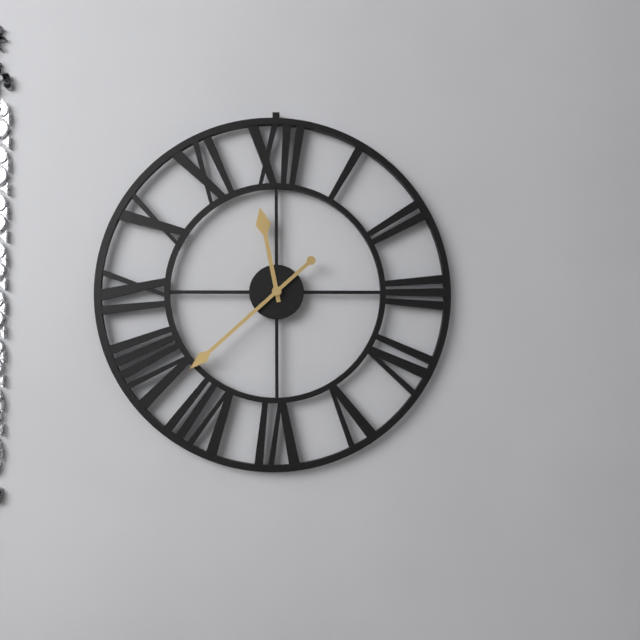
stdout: 11:38
